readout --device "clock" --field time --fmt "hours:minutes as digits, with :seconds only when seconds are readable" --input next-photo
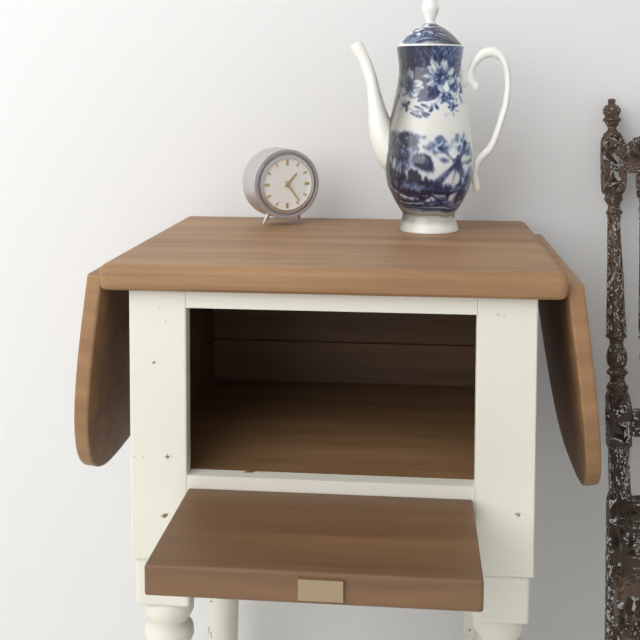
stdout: 1:24
